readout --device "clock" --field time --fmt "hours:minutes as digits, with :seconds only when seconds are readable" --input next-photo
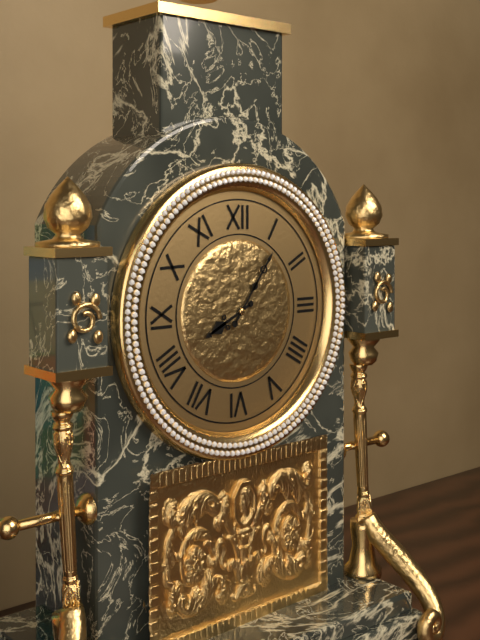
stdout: 8:06
